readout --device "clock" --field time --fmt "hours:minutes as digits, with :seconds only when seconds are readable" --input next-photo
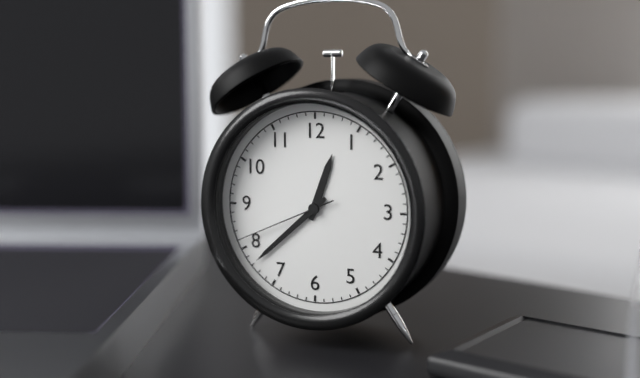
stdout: 12:38:41
